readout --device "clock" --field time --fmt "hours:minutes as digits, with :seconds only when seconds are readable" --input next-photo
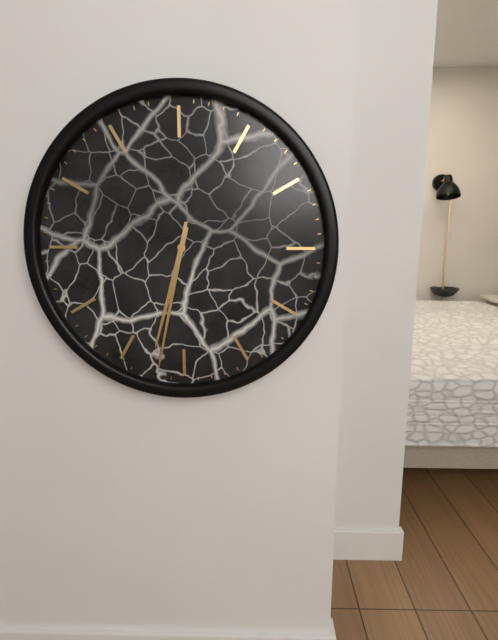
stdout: 6:32
